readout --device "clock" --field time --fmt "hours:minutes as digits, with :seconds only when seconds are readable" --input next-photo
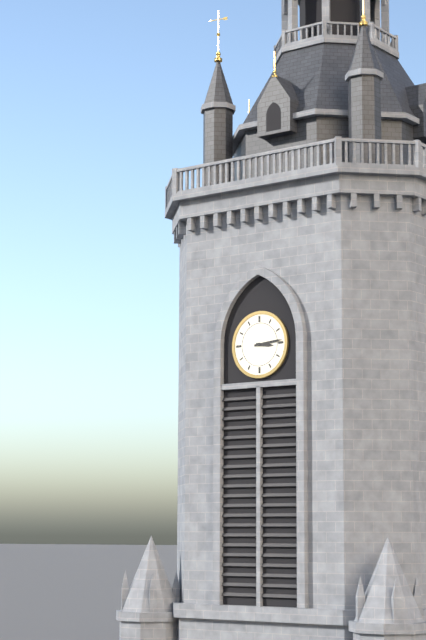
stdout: 3:14
